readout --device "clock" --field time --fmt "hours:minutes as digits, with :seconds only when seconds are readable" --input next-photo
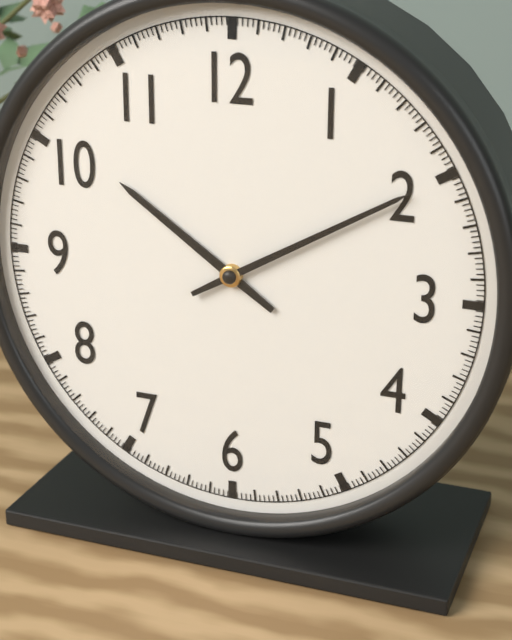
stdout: 10:10
